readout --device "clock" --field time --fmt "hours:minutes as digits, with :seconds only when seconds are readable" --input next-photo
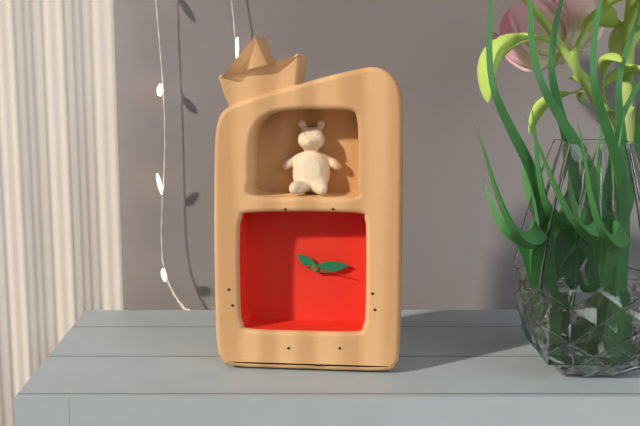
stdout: 10:14
